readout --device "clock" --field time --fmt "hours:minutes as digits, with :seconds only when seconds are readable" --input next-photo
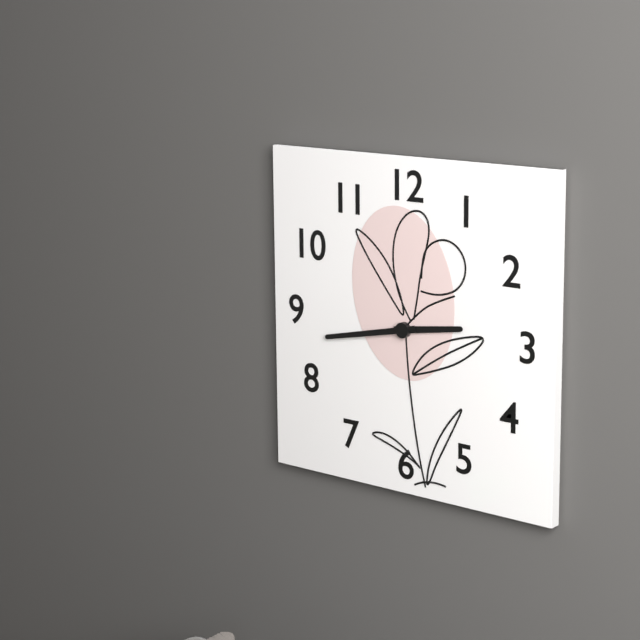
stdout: 2:43
